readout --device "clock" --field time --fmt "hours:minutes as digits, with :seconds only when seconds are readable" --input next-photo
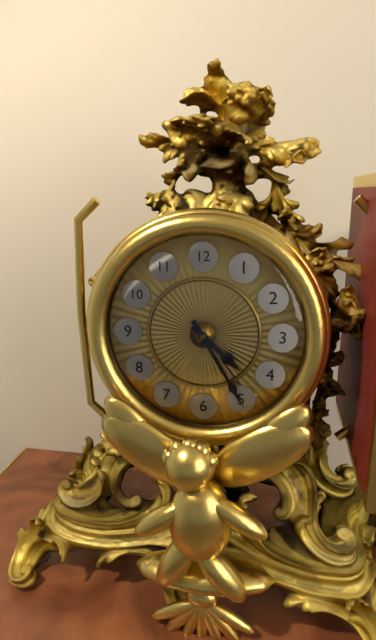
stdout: 4:25
